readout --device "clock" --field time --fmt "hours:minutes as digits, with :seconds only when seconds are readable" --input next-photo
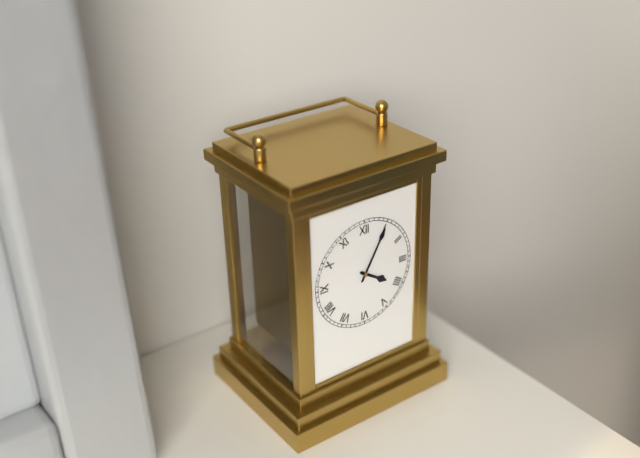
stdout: 4:05
